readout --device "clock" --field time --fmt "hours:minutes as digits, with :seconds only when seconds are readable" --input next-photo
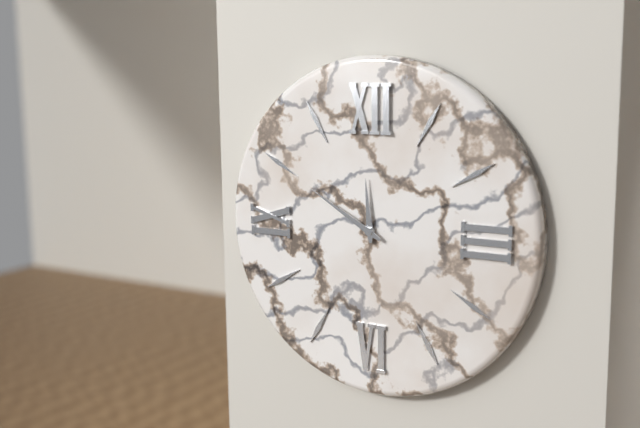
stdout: 11:50
